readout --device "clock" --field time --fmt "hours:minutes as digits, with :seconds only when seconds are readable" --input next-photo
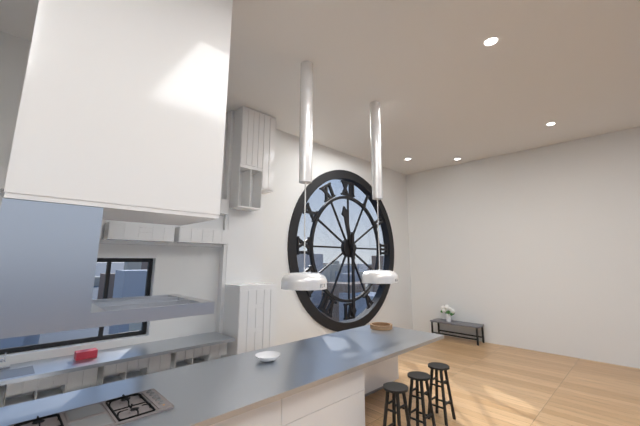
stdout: 11:30
